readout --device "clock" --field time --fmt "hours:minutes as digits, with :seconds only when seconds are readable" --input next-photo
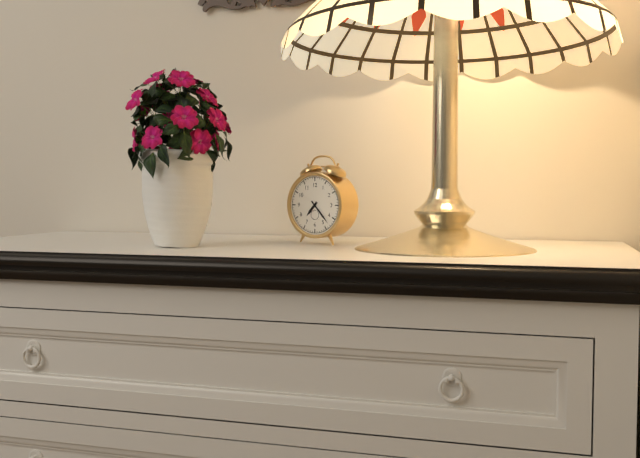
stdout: 7:23
